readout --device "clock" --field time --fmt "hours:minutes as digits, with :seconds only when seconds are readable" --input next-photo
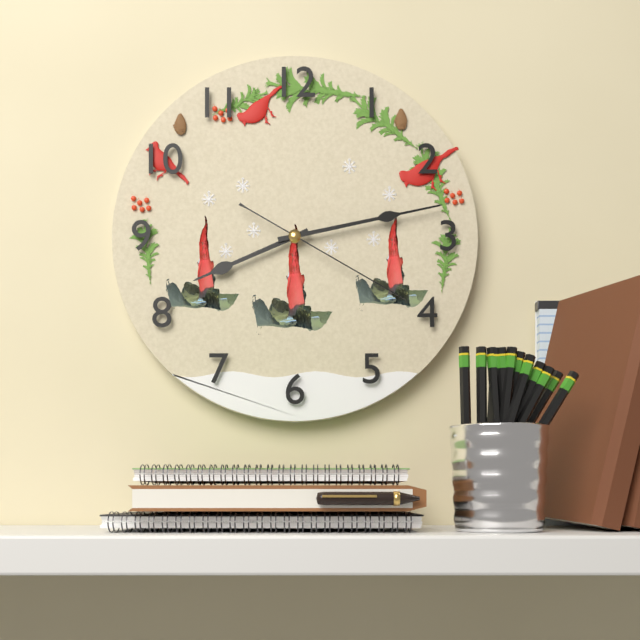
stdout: 8:13:20
